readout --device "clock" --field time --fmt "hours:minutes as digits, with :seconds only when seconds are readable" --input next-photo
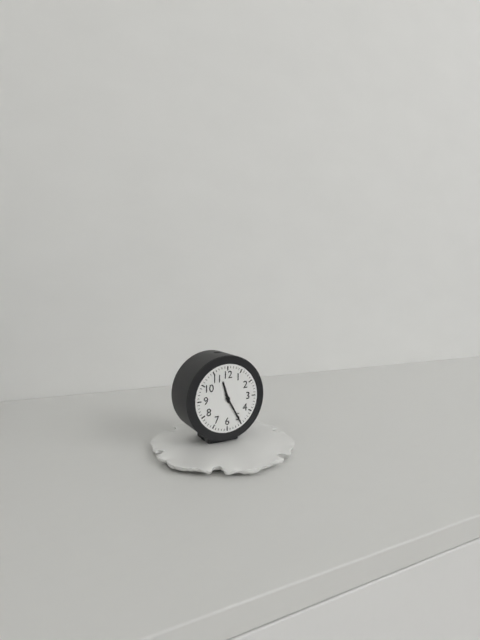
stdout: 11:25
